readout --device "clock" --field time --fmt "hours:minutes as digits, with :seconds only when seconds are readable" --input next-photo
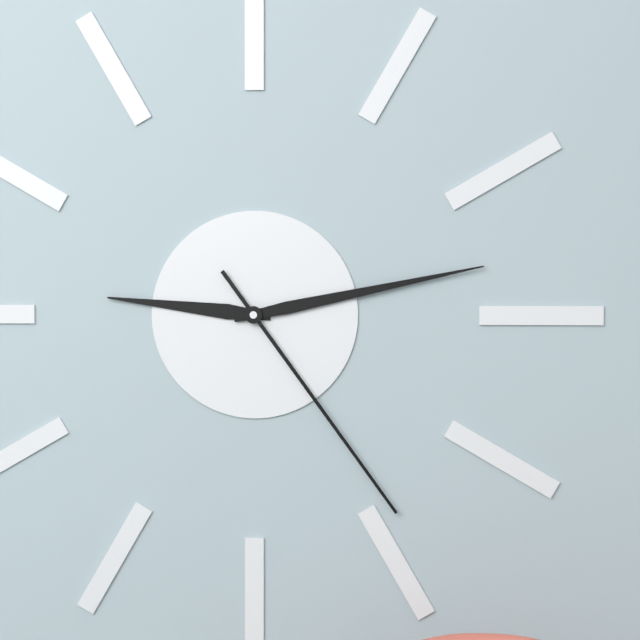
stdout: 9:13:24
